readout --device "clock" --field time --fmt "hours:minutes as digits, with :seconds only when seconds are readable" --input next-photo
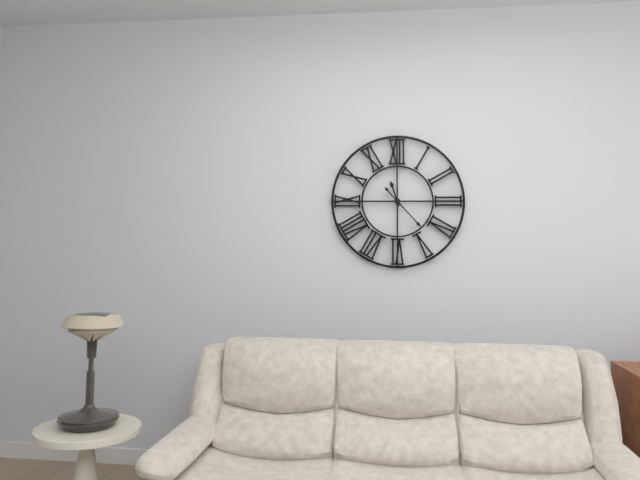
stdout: 11:23
